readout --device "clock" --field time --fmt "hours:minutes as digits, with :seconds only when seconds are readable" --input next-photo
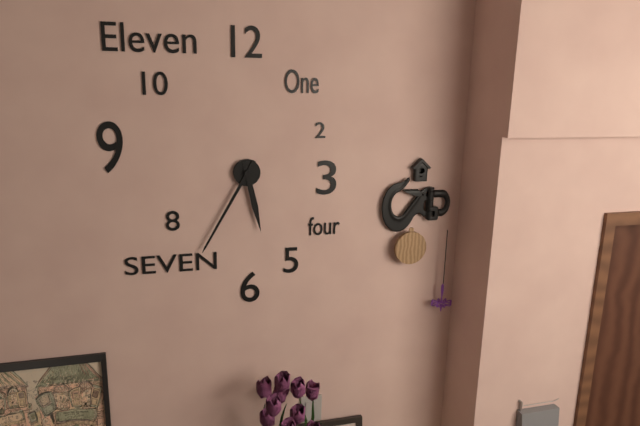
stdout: 5:35
